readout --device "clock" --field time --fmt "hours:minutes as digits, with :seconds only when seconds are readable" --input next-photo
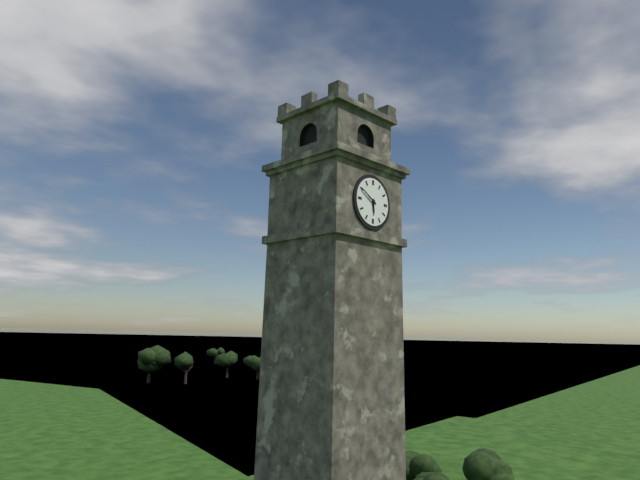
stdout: 5:50
